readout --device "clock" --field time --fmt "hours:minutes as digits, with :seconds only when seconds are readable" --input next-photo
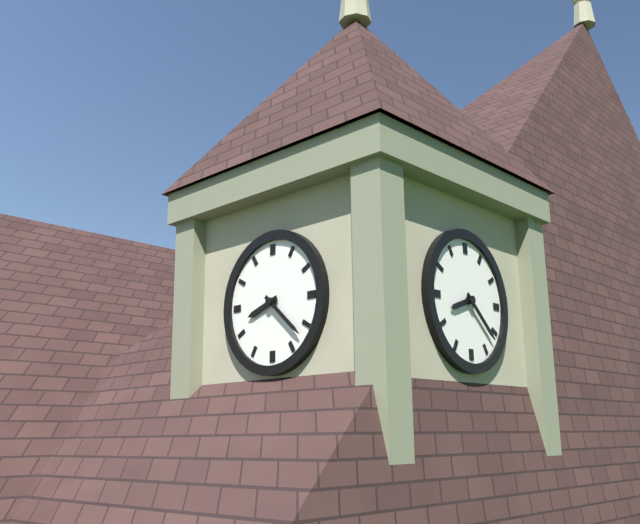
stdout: 8:22
